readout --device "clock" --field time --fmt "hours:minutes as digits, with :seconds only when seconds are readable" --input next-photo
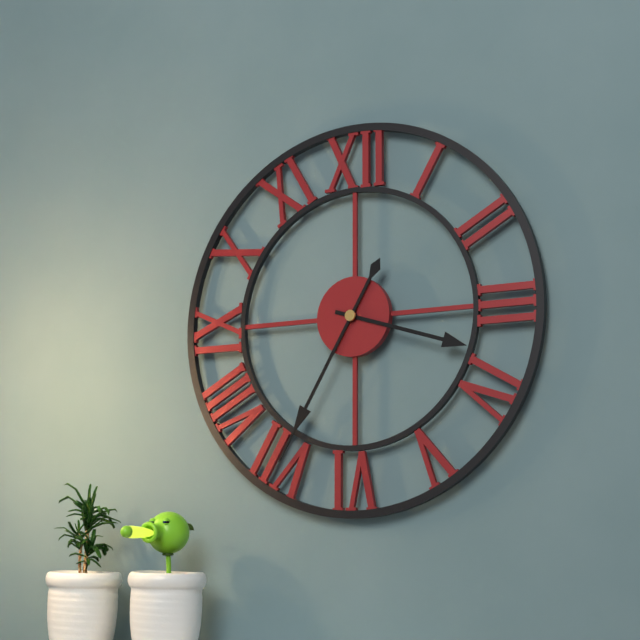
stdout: 3:35
